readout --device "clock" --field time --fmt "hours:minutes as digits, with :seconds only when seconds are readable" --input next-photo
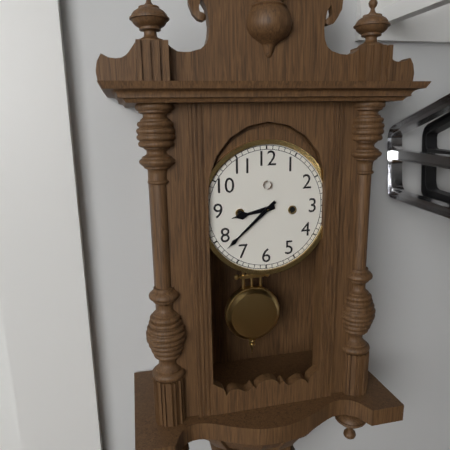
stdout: 8:38
